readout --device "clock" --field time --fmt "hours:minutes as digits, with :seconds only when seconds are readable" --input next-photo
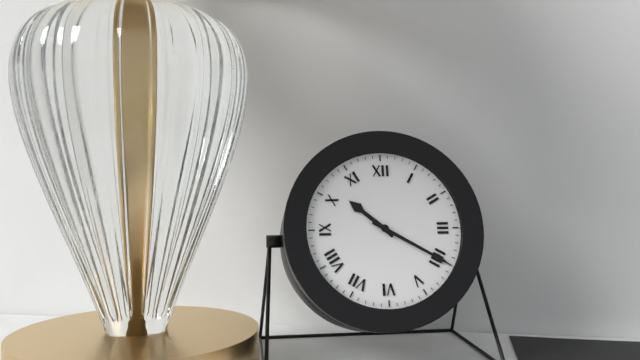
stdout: 10:20
